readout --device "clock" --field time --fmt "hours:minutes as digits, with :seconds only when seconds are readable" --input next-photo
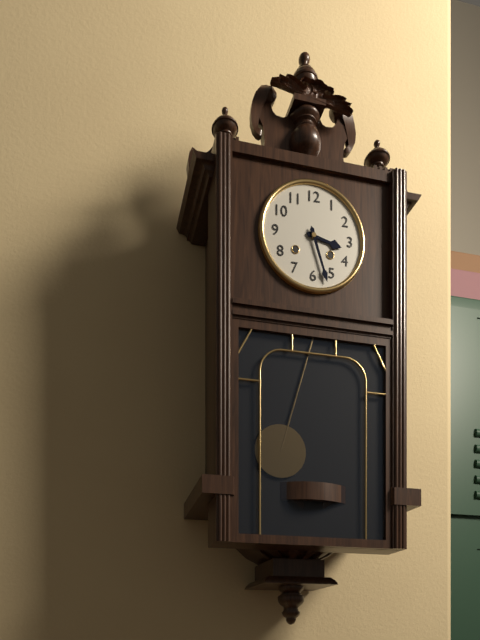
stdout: 3:27
